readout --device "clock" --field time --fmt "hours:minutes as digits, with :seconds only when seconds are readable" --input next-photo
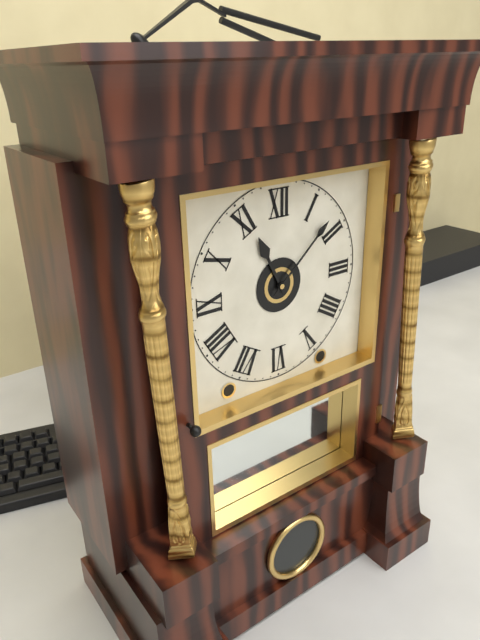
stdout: 11:08
